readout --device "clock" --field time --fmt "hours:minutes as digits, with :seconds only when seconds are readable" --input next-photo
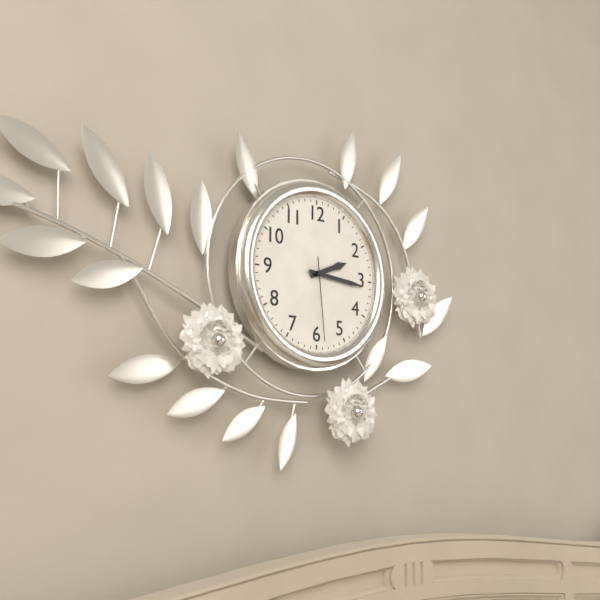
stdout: 2:16:29
